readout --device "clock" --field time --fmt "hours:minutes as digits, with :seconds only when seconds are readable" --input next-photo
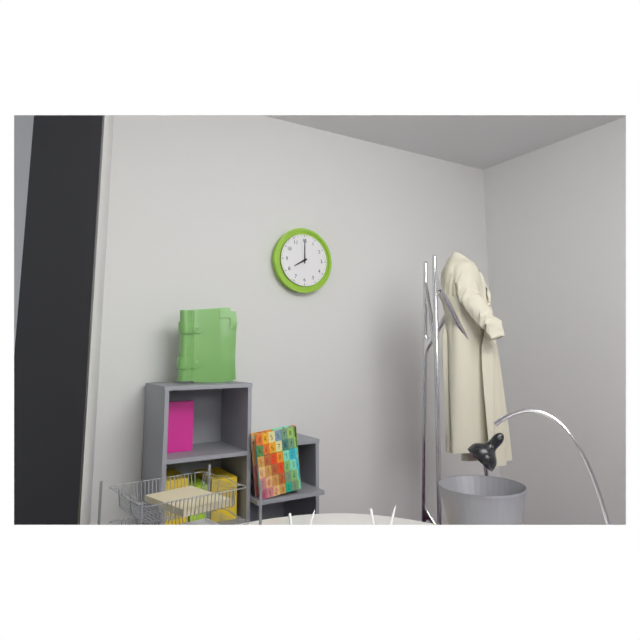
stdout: 8:00
